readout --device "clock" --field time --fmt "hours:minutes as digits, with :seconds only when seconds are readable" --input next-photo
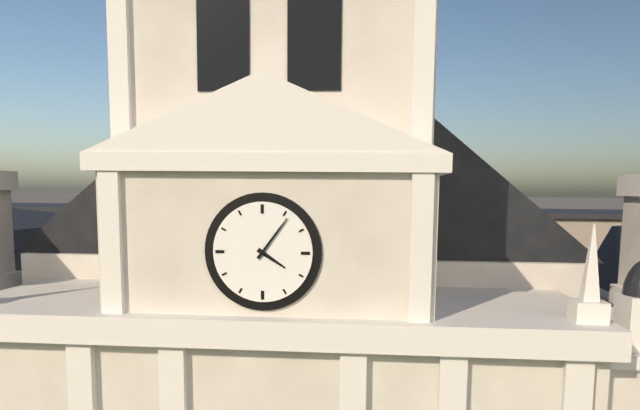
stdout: 4:06
